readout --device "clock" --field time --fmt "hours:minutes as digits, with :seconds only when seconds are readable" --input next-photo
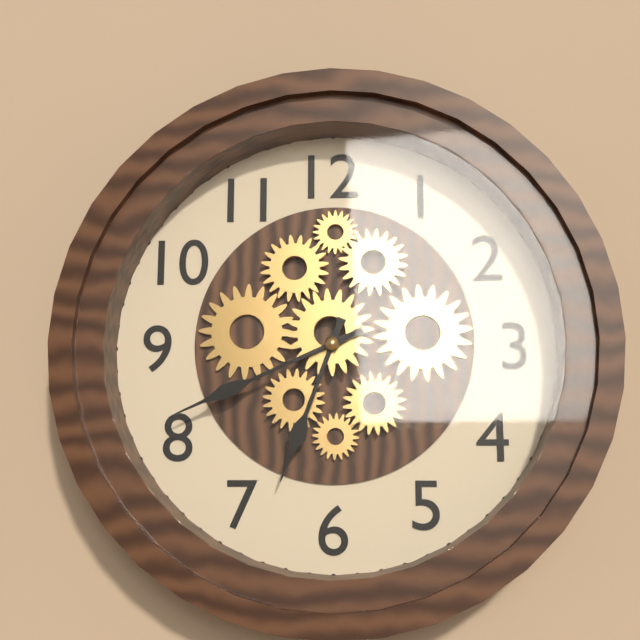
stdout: 6:41
